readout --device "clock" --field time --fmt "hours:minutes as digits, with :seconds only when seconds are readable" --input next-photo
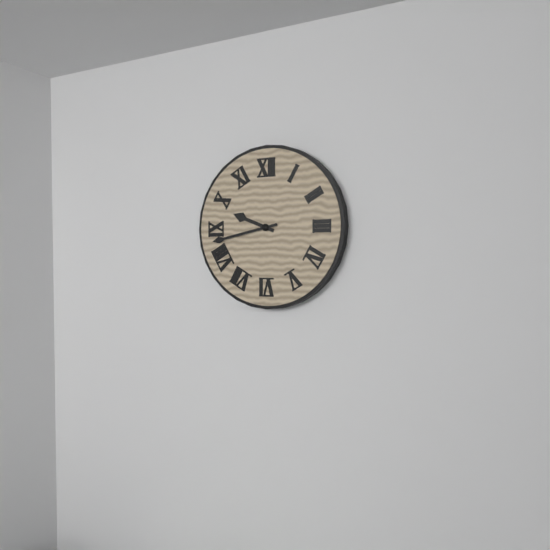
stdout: 9:43
